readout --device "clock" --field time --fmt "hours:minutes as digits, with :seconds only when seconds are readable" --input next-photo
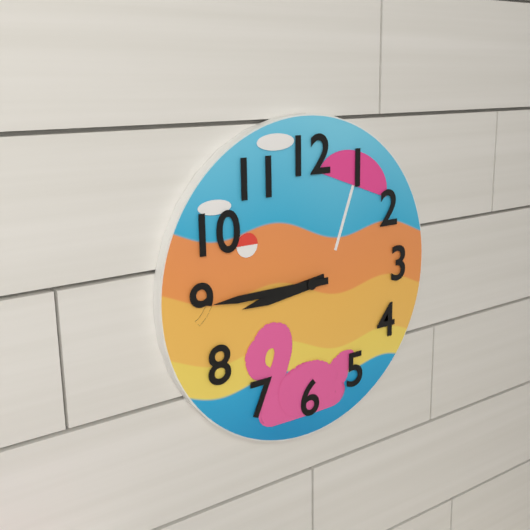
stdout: 8:45
